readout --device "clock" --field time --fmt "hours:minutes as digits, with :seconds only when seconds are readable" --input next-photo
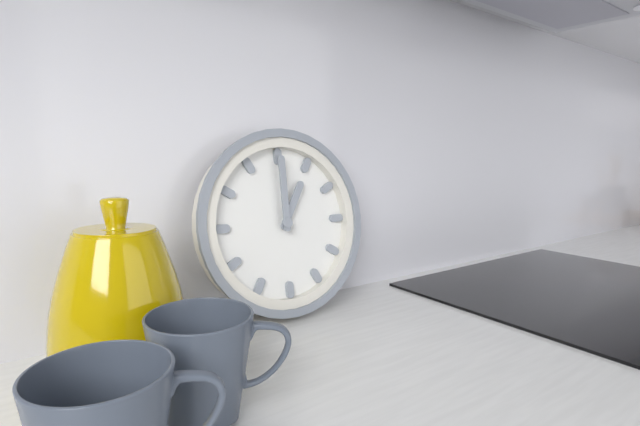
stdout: 1:00
